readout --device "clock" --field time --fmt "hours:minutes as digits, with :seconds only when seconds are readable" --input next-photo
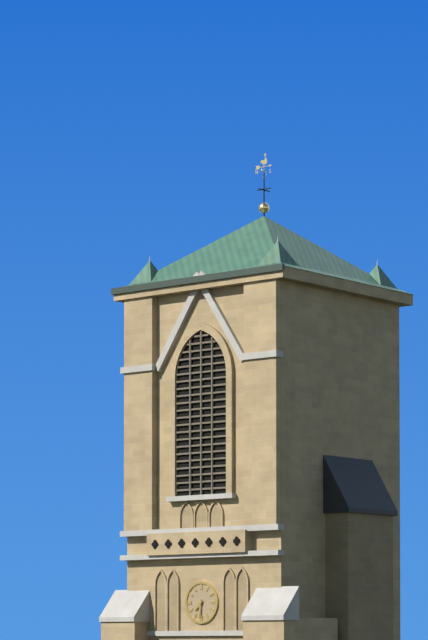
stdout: 7:31
